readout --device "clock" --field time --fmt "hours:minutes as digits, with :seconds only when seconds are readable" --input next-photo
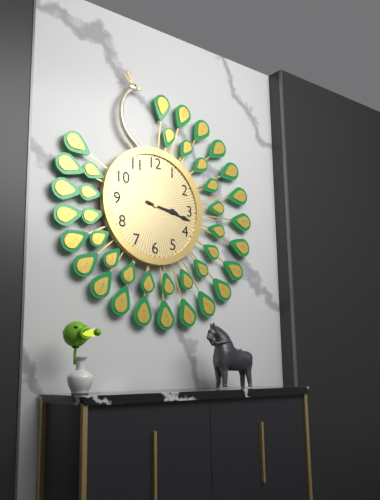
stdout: 3:17
